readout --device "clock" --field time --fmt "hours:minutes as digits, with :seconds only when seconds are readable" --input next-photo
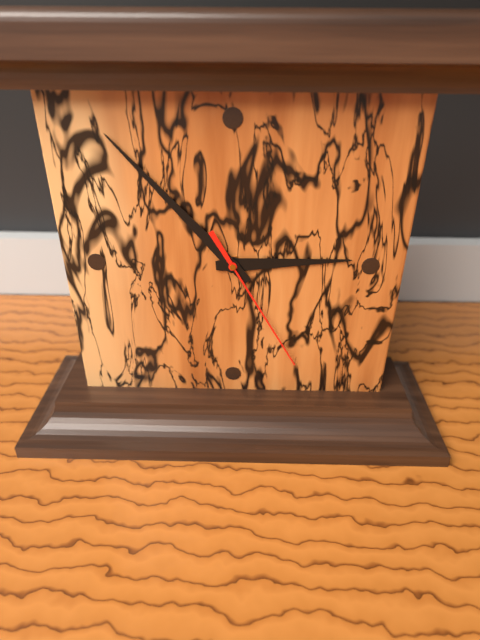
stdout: 2:53:25
